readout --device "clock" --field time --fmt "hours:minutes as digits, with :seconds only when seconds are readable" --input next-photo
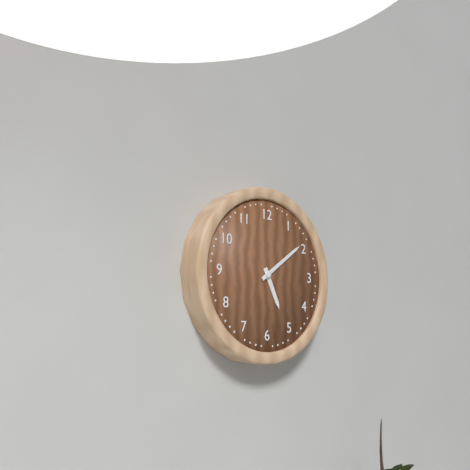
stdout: 5:09
